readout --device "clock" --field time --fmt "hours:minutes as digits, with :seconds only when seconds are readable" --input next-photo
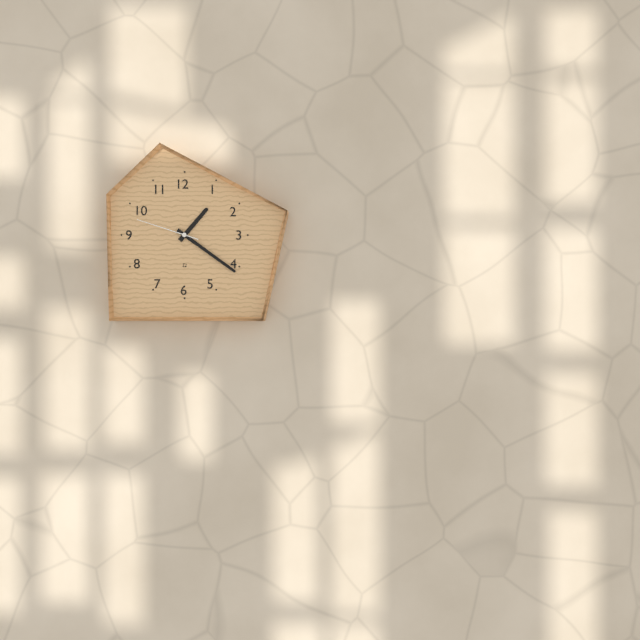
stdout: 1:21:48
